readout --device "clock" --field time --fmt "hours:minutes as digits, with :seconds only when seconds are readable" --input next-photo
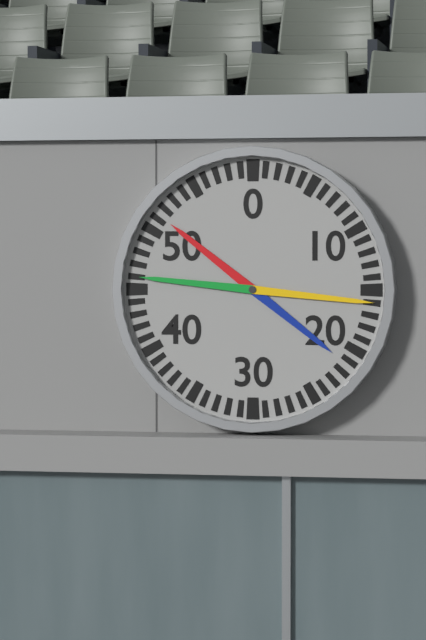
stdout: 10:16
